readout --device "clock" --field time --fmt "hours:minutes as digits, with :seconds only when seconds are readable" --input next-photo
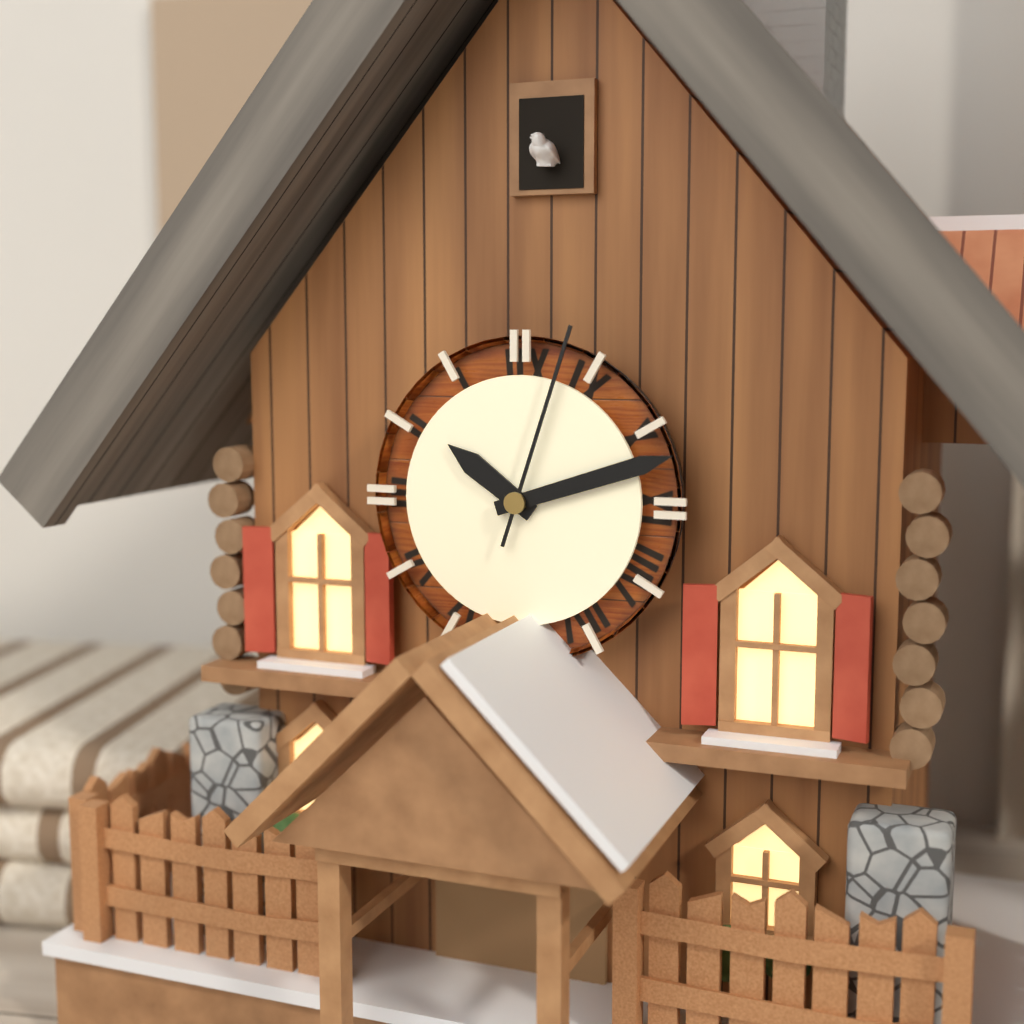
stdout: 10:12:03
